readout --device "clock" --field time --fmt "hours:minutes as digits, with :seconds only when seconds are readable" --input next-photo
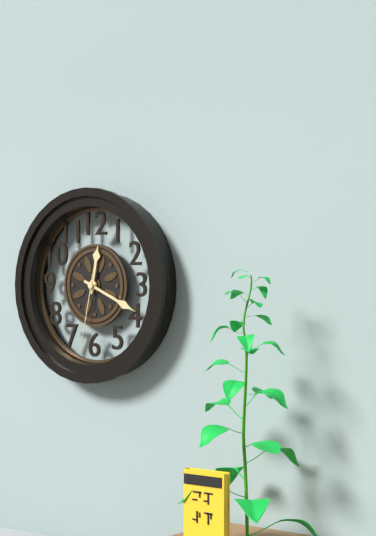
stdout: 12:19:32
